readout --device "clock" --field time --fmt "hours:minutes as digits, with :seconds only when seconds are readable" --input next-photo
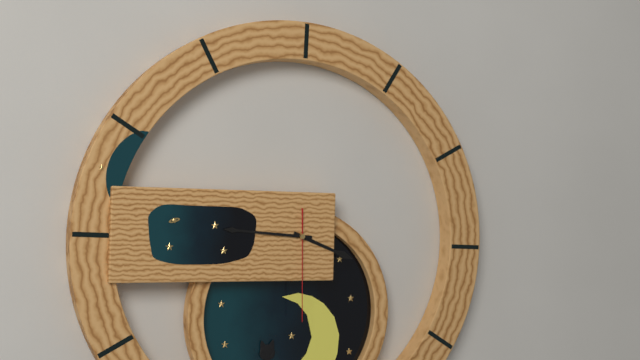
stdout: 3:46:30
